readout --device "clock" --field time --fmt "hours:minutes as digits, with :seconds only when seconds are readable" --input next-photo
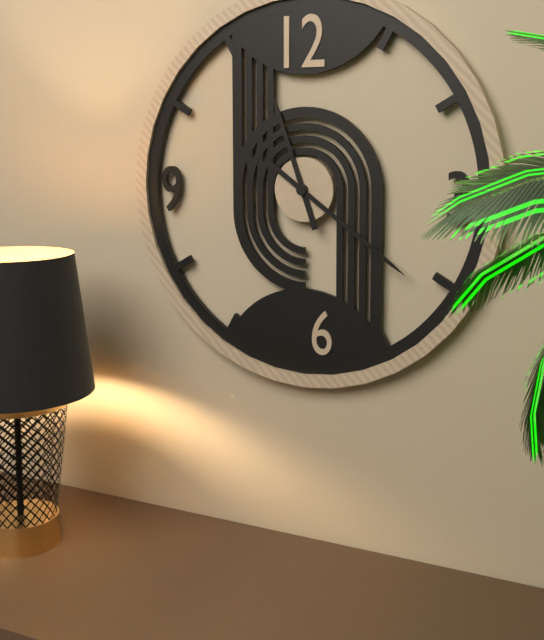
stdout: 11:21
